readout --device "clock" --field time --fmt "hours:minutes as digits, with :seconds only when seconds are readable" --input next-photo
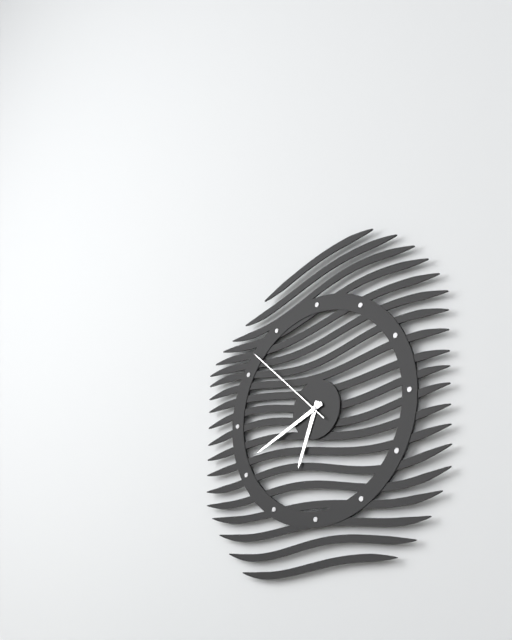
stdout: 6:41:52
